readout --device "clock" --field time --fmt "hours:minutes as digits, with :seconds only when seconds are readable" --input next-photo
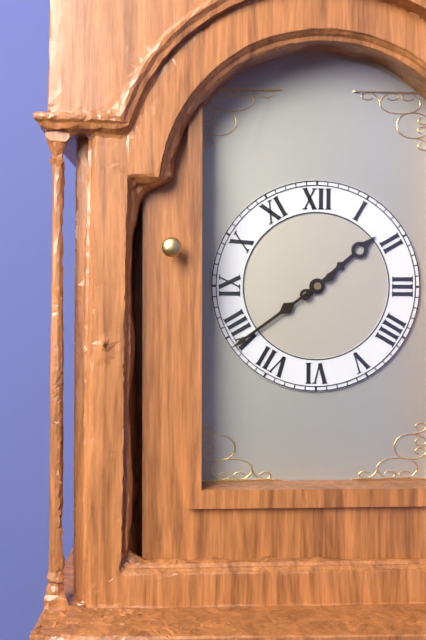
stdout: 1:39
